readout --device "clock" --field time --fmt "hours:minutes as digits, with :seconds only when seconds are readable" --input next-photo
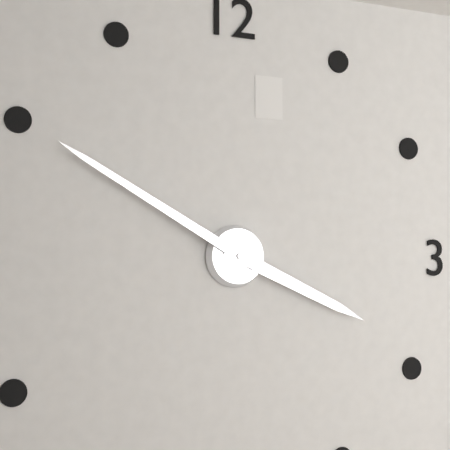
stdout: 3:50
